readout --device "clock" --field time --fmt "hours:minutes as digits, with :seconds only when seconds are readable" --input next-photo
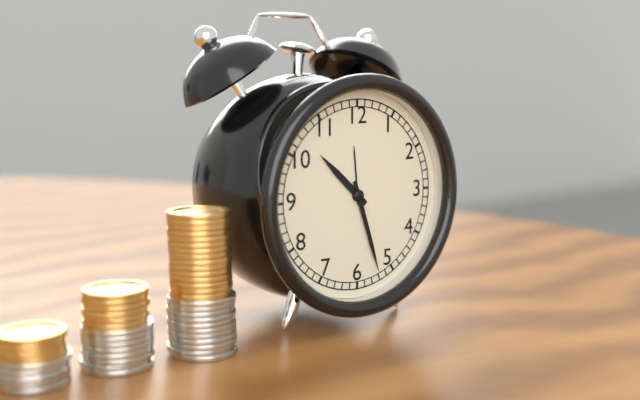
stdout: 10:27
